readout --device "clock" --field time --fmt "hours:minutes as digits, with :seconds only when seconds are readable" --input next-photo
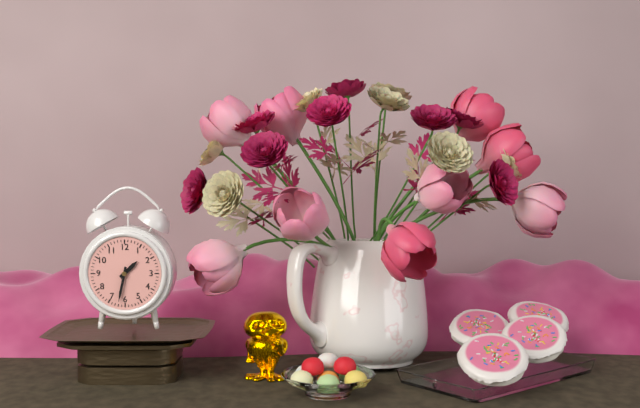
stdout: 1:32
